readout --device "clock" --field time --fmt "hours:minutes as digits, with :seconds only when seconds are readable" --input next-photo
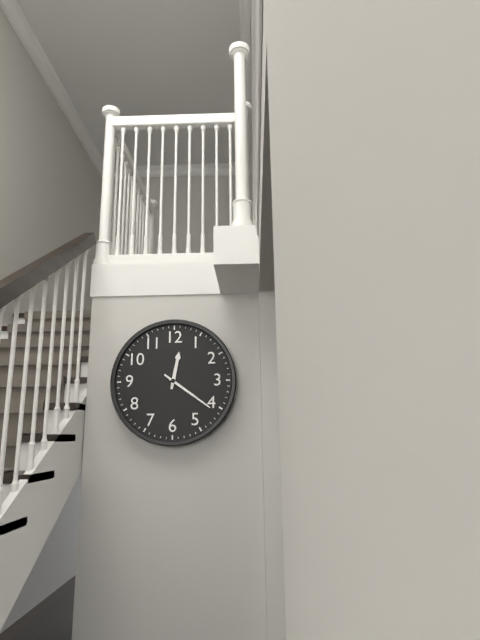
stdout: 12:21
